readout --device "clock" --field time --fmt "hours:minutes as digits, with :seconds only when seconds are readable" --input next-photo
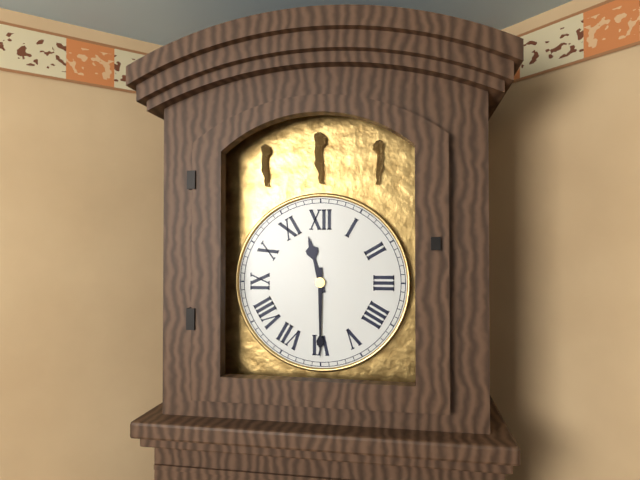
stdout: 11:30
